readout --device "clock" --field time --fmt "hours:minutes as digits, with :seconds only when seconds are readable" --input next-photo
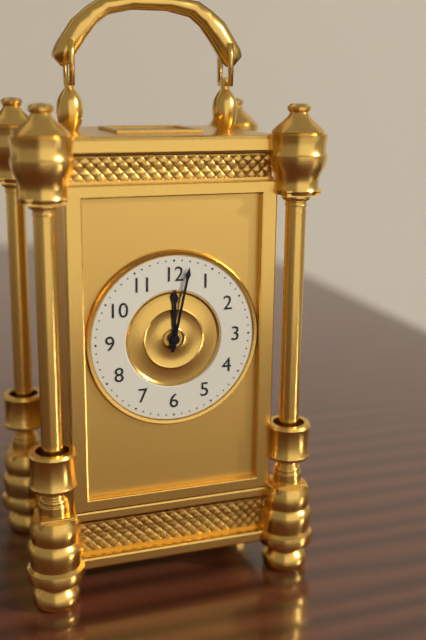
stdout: 12:02
